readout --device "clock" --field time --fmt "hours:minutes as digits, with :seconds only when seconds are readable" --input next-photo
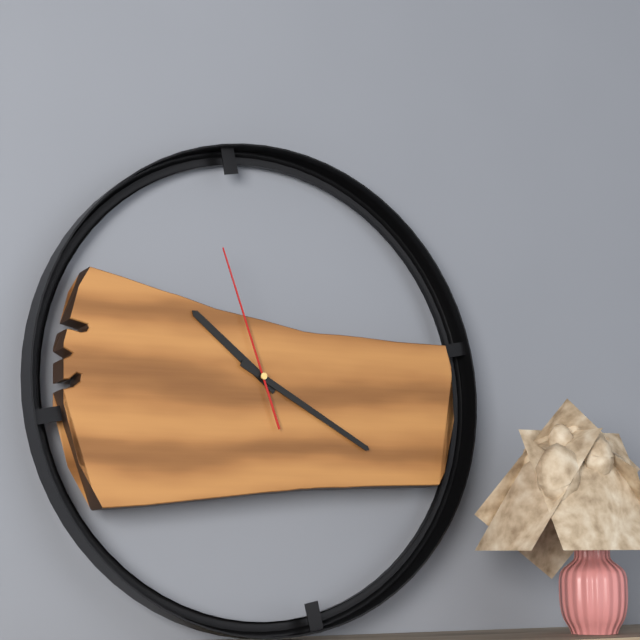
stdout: 10:20:57
